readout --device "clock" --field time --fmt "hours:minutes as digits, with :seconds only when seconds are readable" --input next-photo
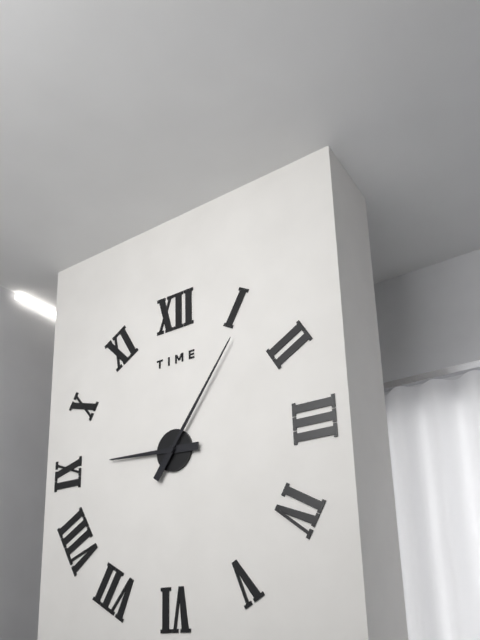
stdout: 9:06
